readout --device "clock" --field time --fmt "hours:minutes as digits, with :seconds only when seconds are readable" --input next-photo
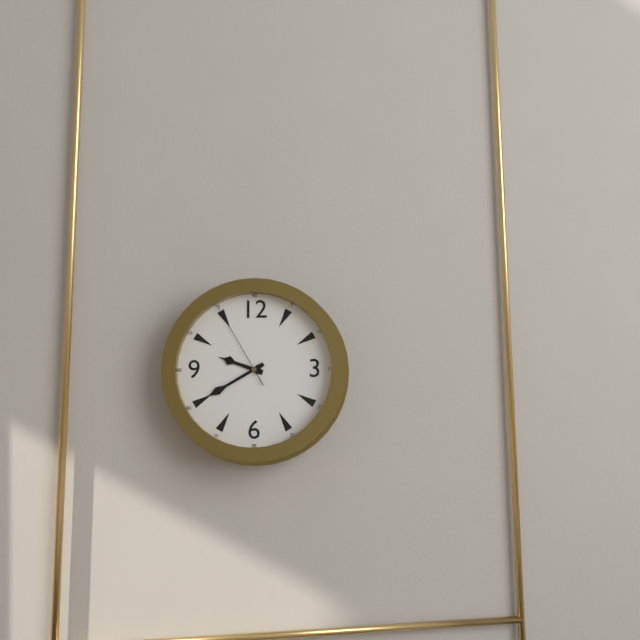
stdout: 9:40:55
